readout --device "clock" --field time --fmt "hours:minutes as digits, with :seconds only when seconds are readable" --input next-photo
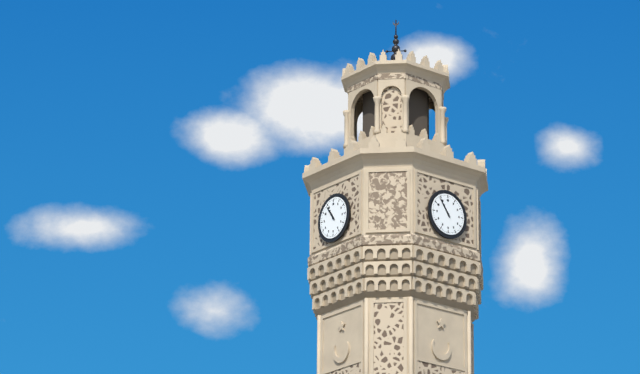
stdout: 10:54
